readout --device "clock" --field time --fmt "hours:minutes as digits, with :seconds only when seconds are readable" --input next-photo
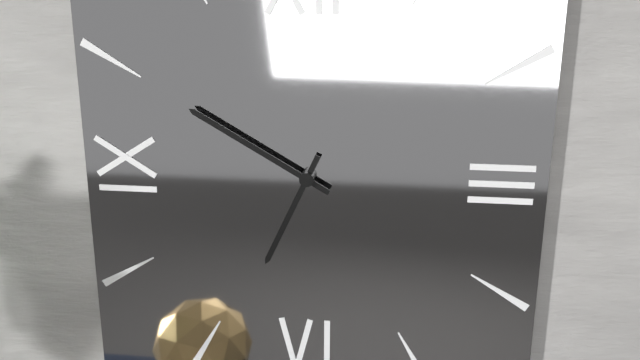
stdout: 6:50
